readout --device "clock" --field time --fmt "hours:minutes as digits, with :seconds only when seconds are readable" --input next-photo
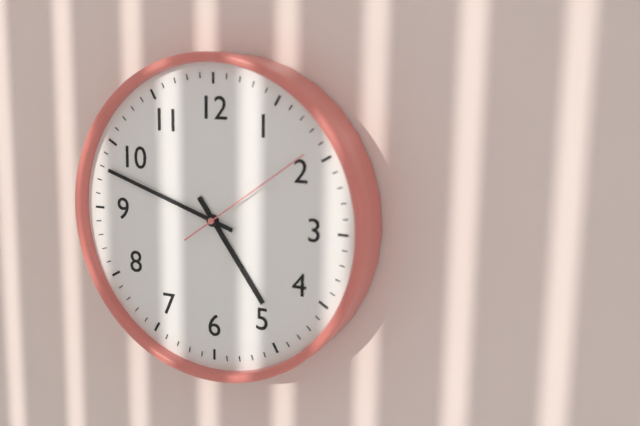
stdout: 4:48:09
